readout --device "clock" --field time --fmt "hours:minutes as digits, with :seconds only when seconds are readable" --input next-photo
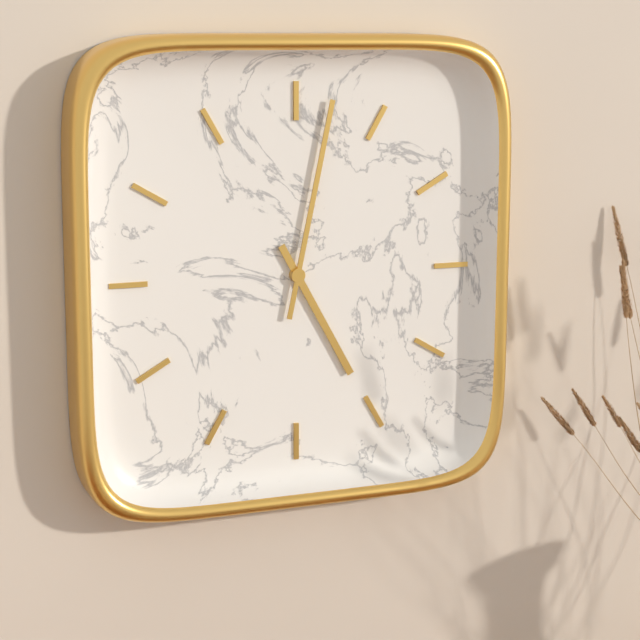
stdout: 5:02
